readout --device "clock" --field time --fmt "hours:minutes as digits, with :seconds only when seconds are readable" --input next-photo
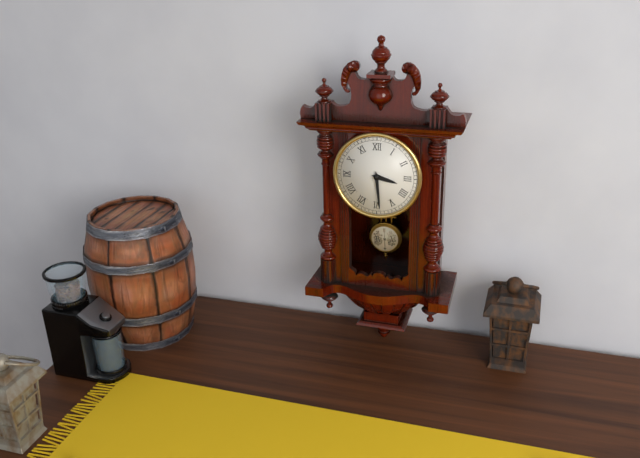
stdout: 3:29
